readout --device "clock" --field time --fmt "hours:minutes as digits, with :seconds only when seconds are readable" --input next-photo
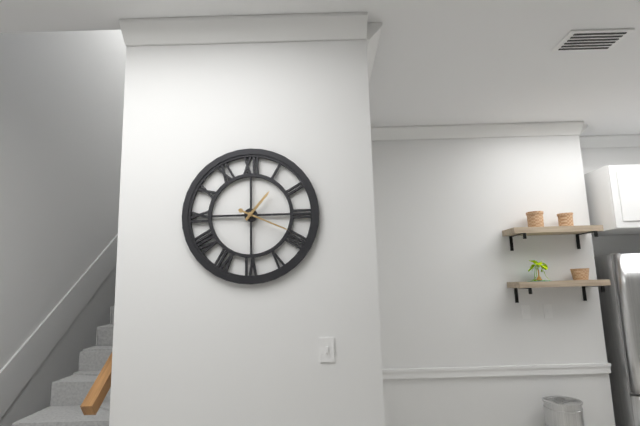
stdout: 1:19
